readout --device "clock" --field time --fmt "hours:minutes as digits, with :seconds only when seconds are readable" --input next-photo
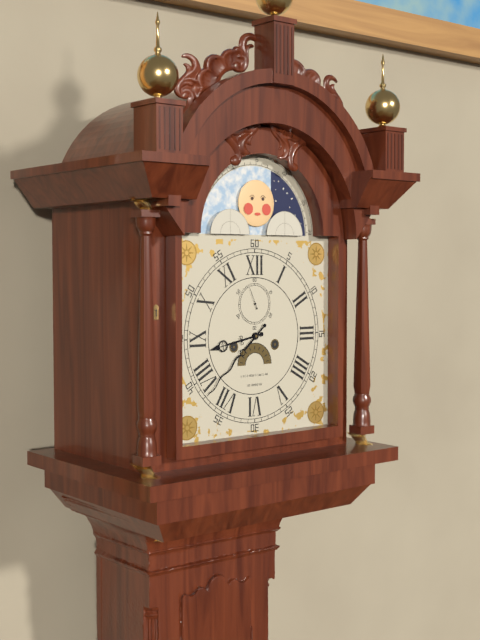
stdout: 8:38
